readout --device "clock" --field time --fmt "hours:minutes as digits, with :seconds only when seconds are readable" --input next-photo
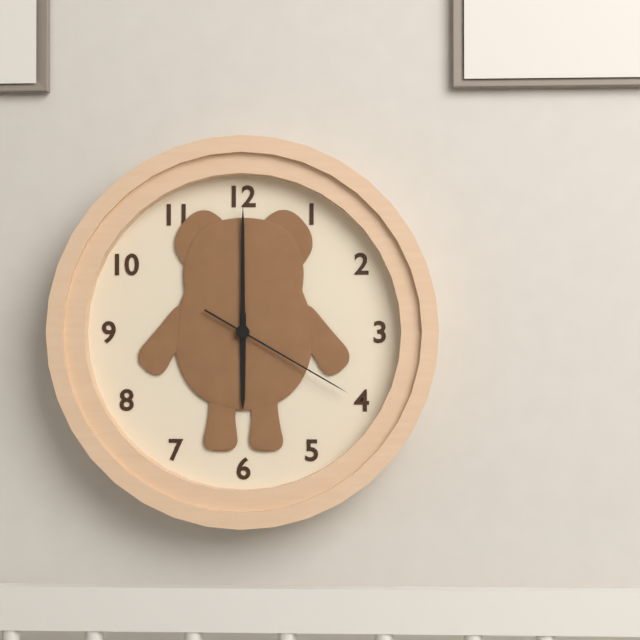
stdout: 6:00:20
